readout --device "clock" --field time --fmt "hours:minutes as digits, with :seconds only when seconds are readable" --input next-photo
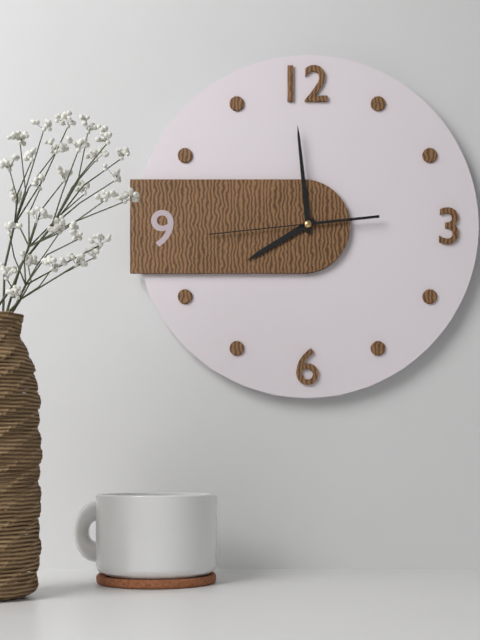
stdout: 7:59:44
